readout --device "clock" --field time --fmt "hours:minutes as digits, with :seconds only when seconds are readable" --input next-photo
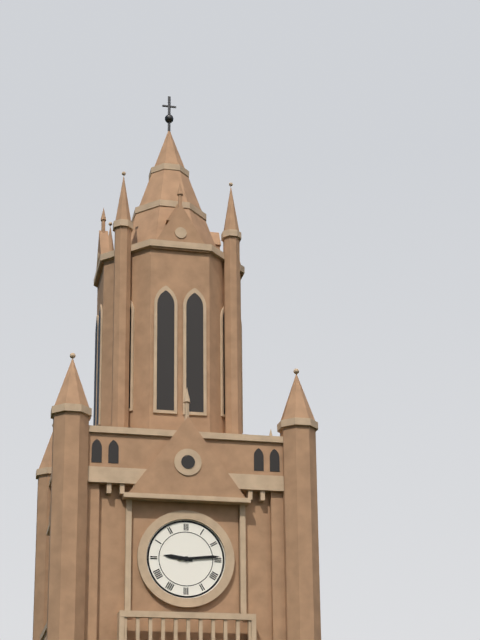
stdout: 9:14
